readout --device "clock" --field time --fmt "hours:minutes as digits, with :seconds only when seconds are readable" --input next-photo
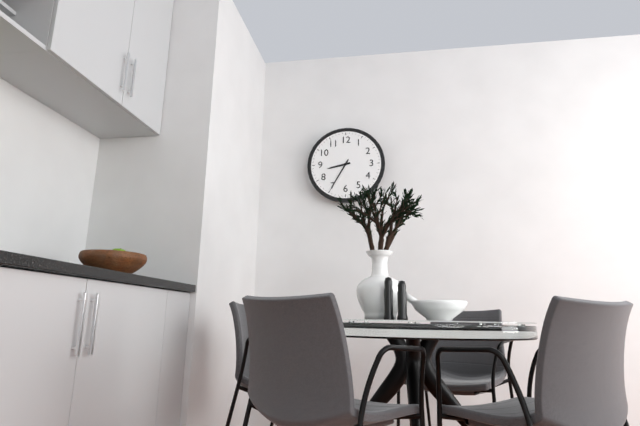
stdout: 8:35
